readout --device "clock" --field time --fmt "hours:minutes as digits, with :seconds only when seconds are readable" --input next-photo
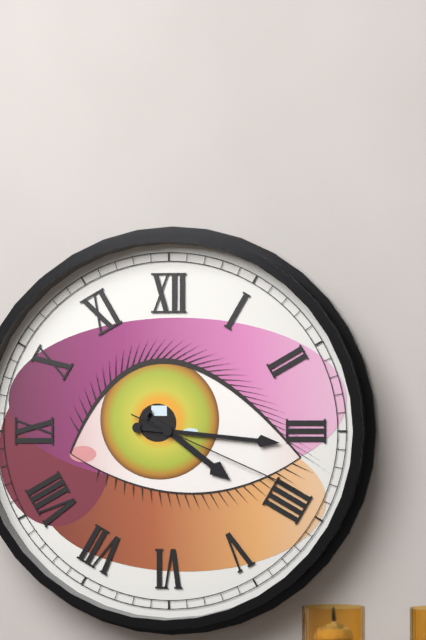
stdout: 4:16:19
